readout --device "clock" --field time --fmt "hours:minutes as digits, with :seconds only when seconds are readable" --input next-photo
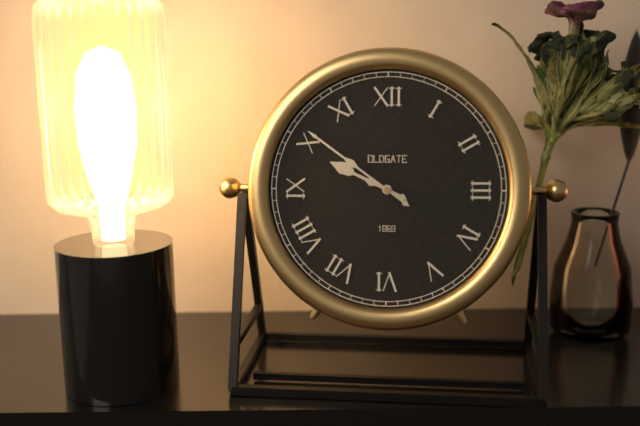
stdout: 9:51
